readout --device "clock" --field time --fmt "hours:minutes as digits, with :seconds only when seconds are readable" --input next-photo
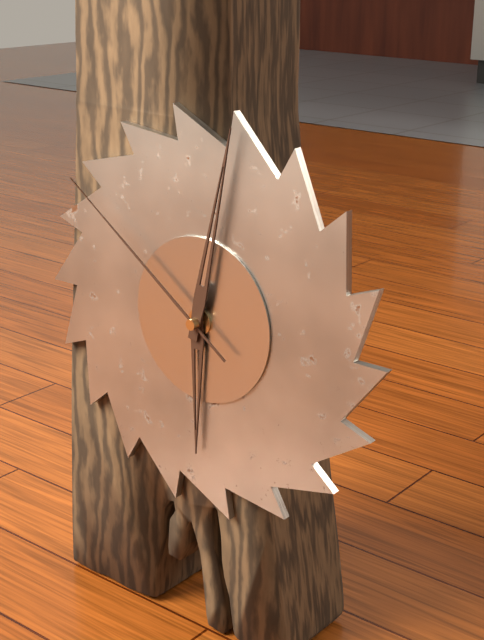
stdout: 6:02:51
